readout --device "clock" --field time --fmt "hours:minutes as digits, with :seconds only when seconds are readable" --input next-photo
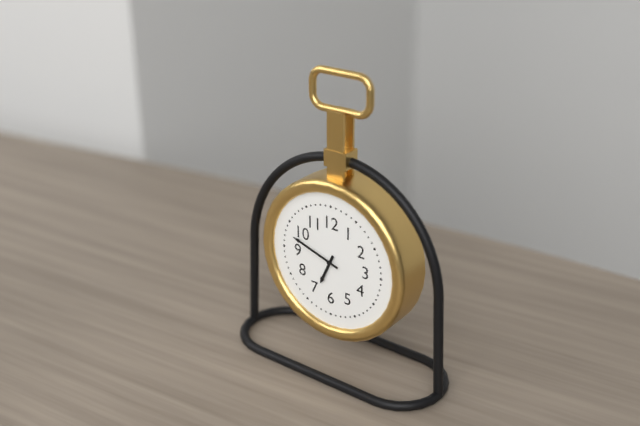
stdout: 6:48
